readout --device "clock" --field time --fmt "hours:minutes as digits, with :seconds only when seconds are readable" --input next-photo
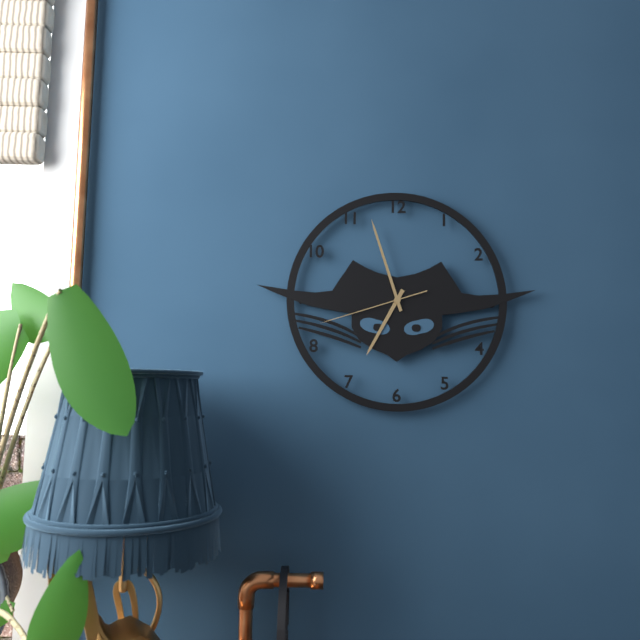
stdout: 6:57:42
